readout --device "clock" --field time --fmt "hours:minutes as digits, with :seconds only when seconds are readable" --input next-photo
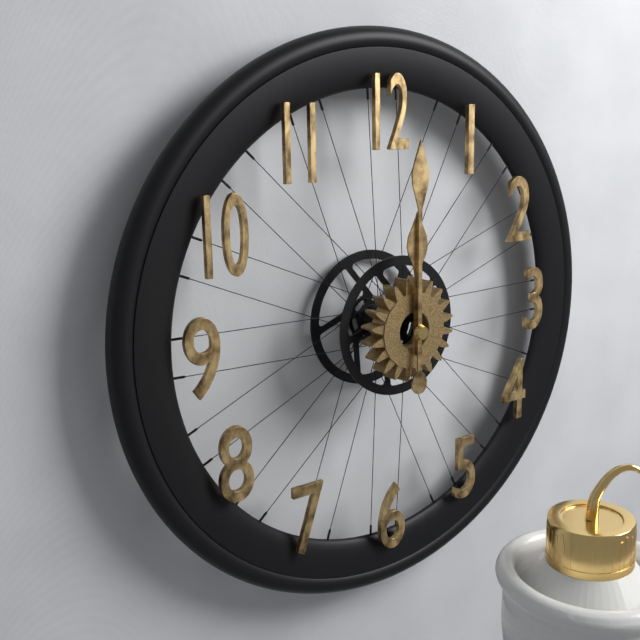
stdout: 12:00
